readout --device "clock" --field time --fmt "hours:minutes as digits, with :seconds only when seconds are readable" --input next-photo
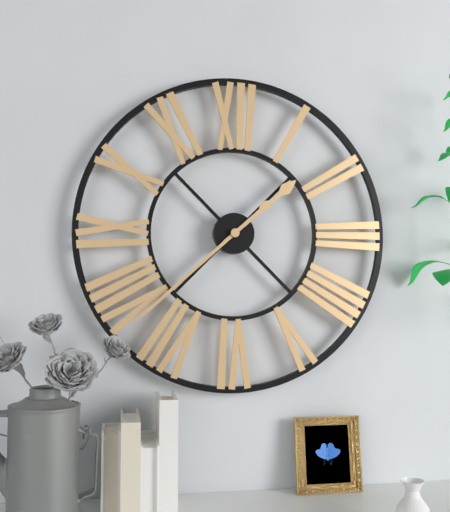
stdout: 1:38
